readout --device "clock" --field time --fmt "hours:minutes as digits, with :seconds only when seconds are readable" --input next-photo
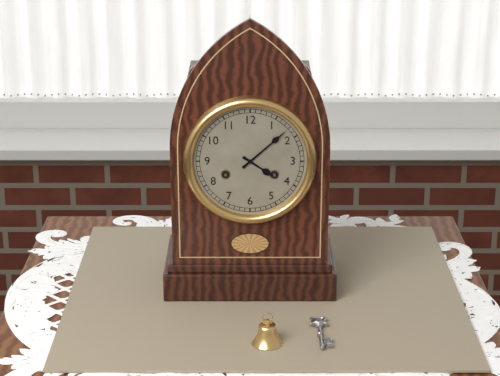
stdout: 4:08
